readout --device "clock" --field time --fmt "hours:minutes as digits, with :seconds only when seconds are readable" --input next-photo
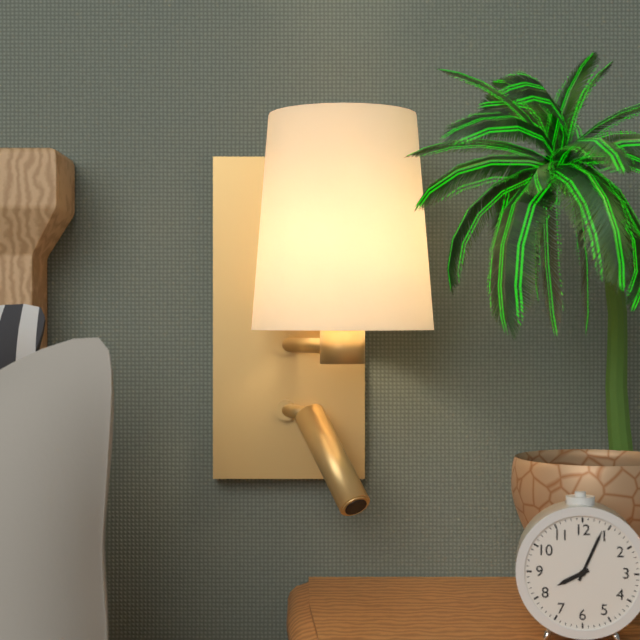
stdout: 8:04
